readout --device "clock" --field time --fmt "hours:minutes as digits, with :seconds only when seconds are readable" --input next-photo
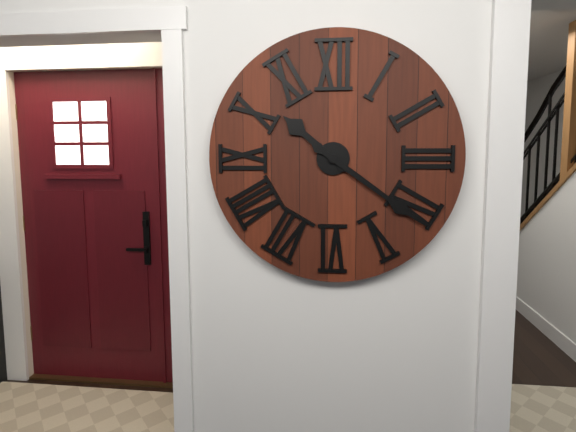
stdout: 10:21
